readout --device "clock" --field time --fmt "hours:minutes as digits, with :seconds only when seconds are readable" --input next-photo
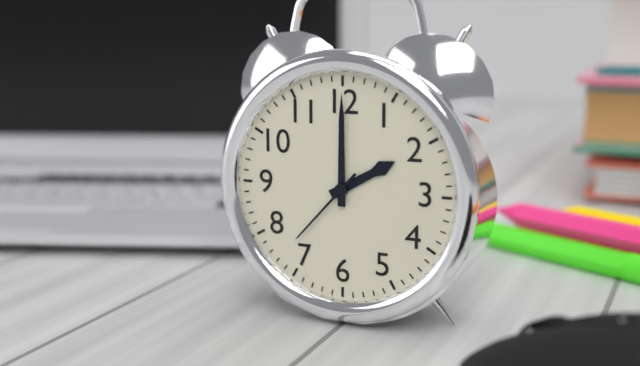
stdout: 2:00:37
